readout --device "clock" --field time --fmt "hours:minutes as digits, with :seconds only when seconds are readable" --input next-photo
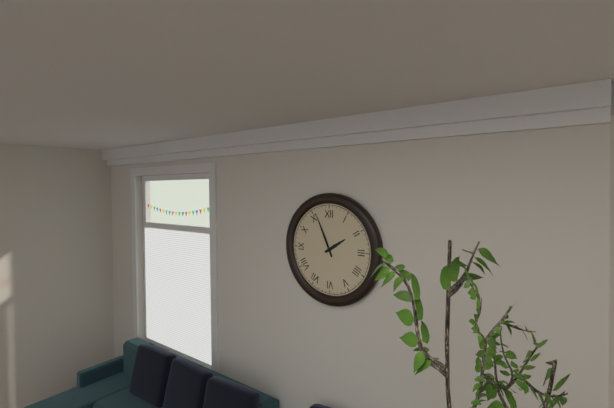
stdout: 1:56
